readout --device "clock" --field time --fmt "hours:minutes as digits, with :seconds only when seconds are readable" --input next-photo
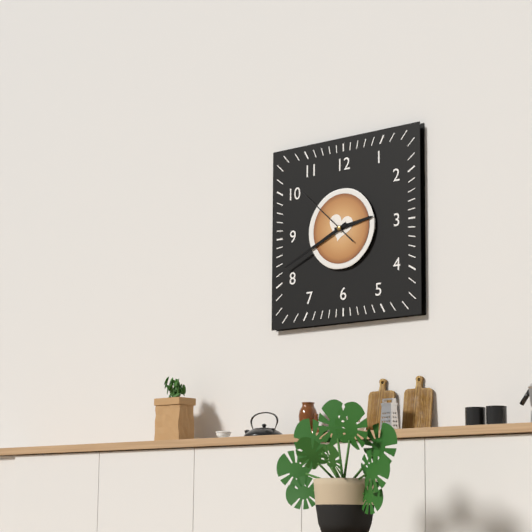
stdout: 2:41:52
